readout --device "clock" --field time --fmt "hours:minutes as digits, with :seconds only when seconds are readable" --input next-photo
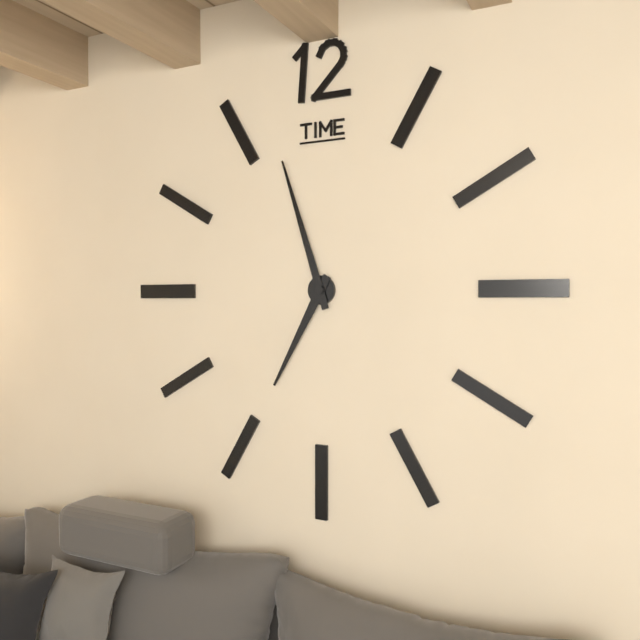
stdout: 6:57
